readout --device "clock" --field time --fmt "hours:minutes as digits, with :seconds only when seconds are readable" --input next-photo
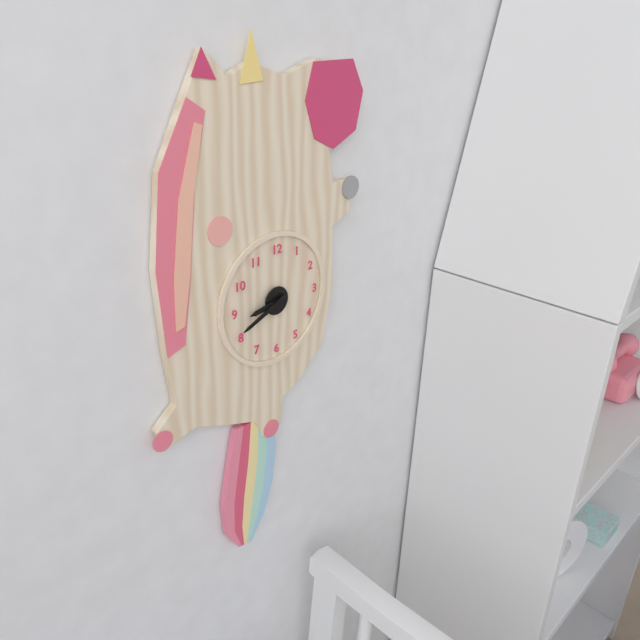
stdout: 8:41
